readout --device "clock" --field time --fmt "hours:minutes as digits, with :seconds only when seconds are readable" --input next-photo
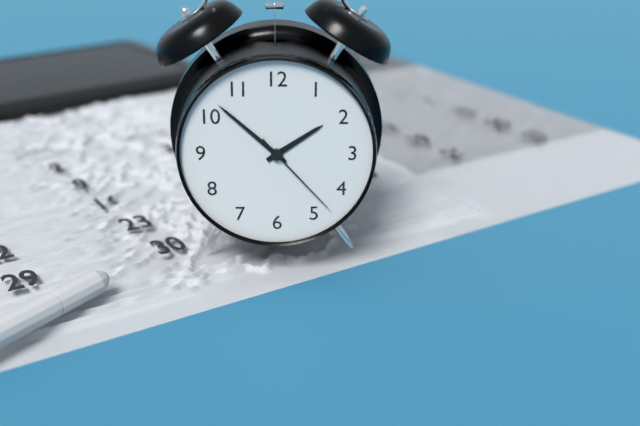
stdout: 1:52:23
